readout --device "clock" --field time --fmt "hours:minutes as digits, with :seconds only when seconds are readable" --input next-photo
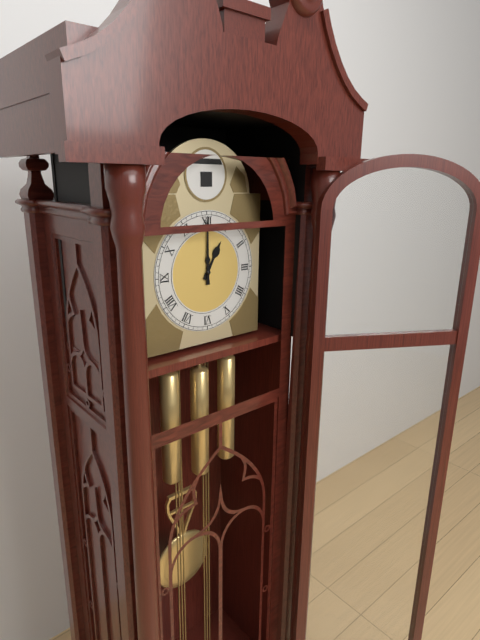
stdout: 1:00
